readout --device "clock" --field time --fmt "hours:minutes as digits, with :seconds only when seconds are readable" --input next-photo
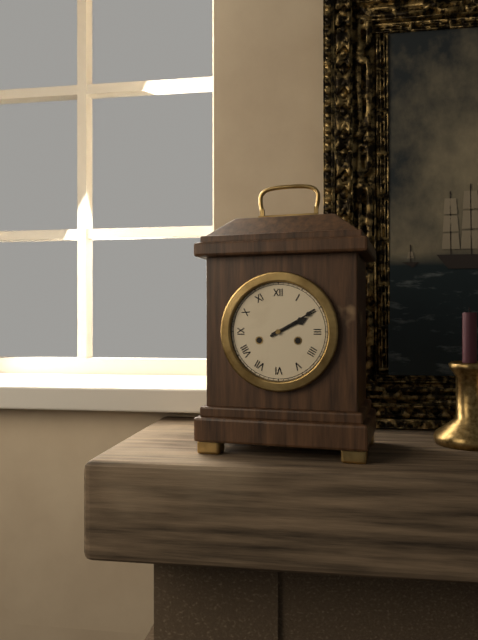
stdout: 2:10
